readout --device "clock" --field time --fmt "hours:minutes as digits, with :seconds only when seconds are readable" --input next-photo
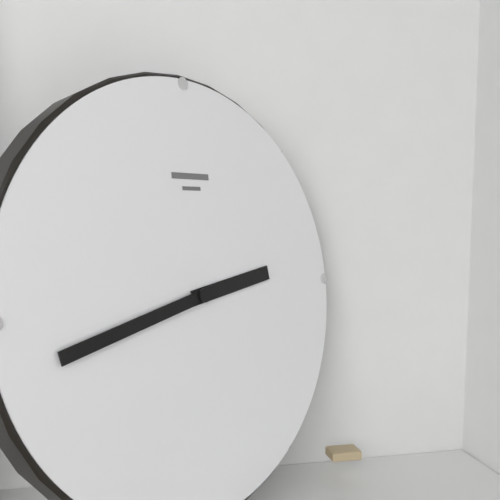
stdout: 2:43
